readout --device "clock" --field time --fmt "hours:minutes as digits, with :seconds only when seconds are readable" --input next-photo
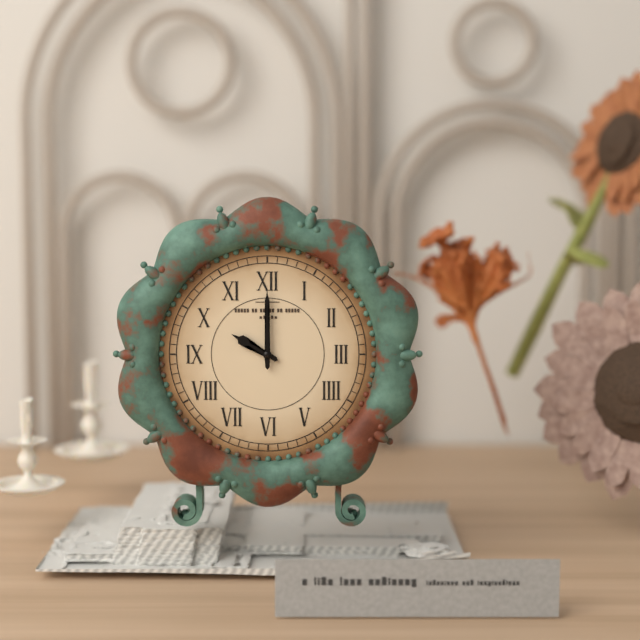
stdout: 10:00
